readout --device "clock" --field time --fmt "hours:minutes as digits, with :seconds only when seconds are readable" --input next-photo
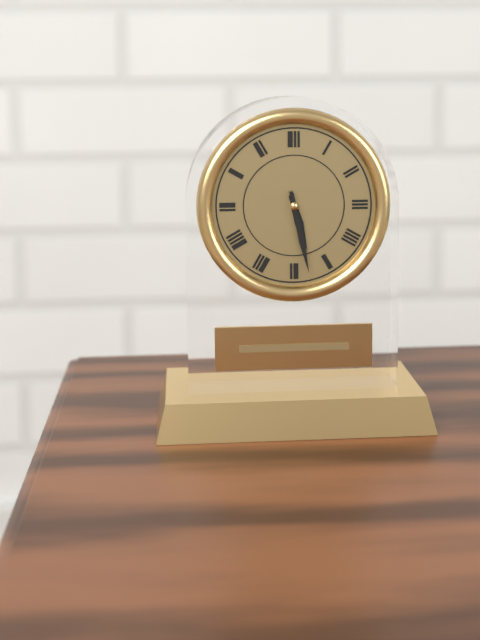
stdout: 5:28
